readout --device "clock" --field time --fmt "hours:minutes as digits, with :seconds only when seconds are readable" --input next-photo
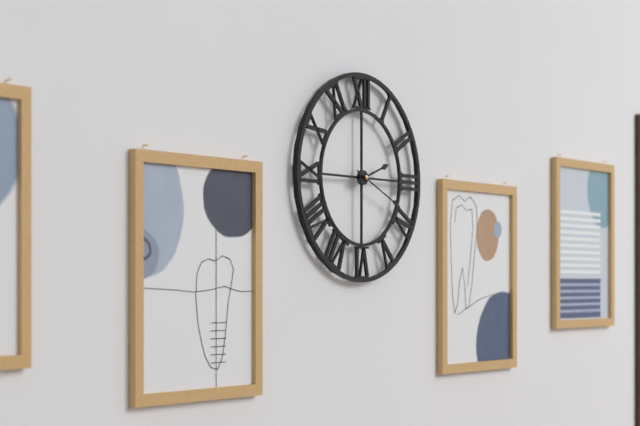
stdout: 2:19
